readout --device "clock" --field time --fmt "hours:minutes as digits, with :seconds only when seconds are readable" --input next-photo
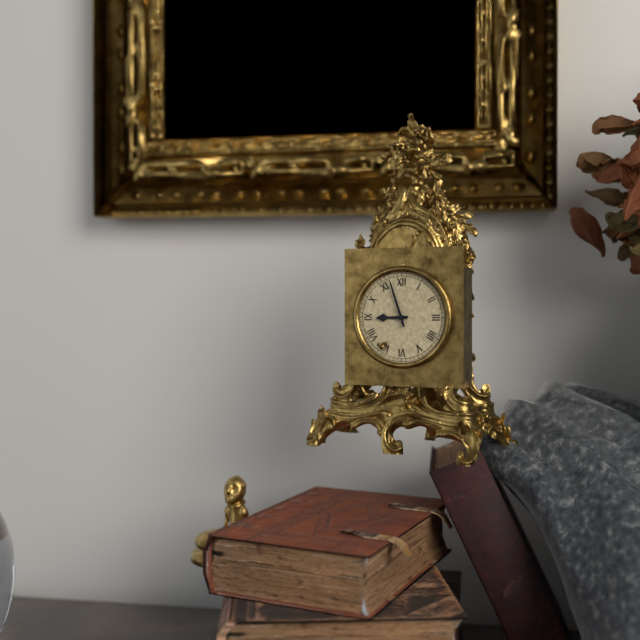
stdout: 8:57
